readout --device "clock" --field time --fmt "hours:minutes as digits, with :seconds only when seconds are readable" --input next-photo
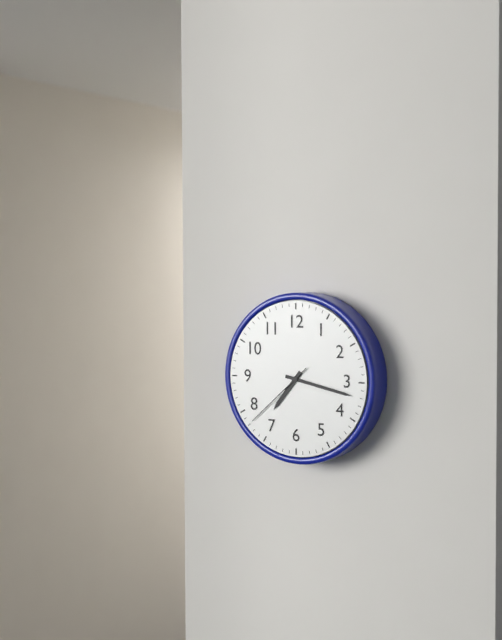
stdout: 7:17:38
